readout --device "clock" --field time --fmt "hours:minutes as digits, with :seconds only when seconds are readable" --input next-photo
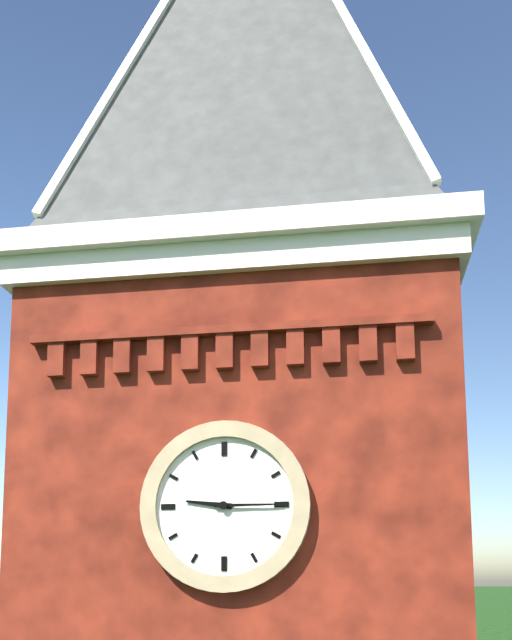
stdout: 9:15
